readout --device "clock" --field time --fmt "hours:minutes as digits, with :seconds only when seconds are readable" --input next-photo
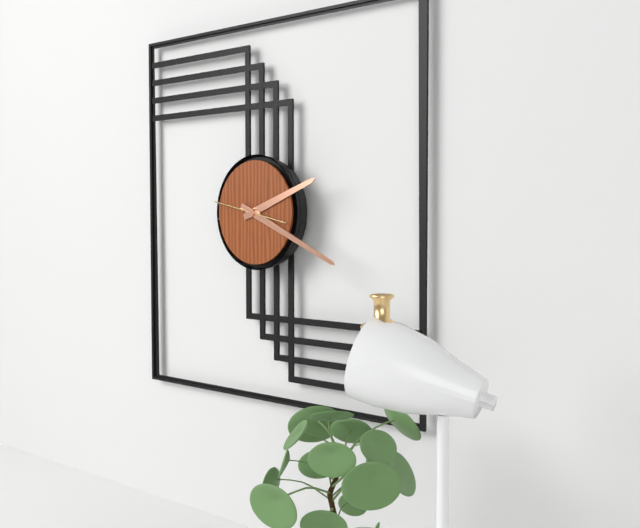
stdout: 2:19:47
